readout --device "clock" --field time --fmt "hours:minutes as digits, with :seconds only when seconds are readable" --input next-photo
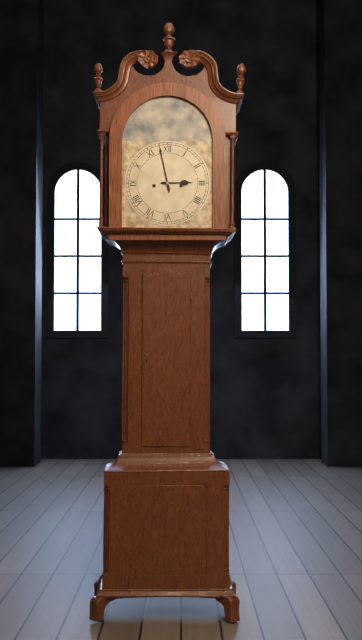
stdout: 2:58
